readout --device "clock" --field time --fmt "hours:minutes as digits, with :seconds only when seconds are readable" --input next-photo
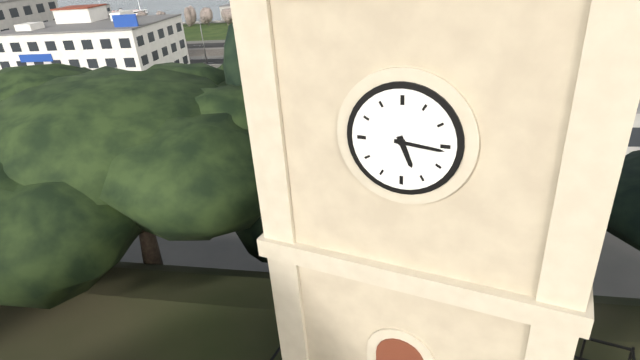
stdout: 5:16
